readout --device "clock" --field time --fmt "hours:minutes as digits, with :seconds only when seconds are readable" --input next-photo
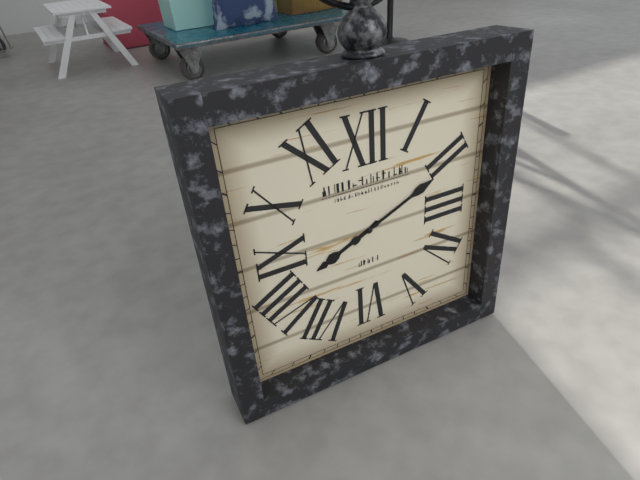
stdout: 8:11
